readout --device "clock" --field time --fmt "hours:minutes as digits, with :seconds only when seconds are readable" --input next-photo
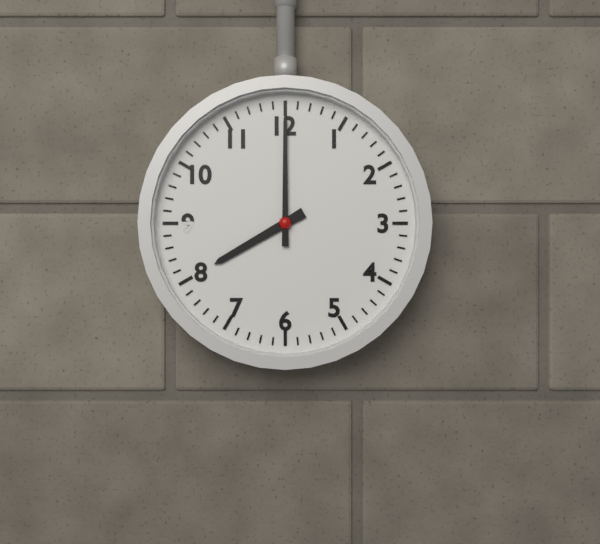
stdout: 8:00
